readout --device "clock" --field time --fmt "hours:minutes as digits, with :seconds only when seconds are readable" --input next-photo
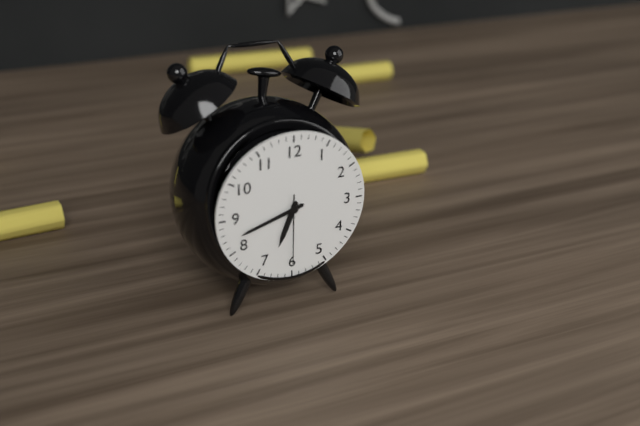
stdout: 6:42:30
